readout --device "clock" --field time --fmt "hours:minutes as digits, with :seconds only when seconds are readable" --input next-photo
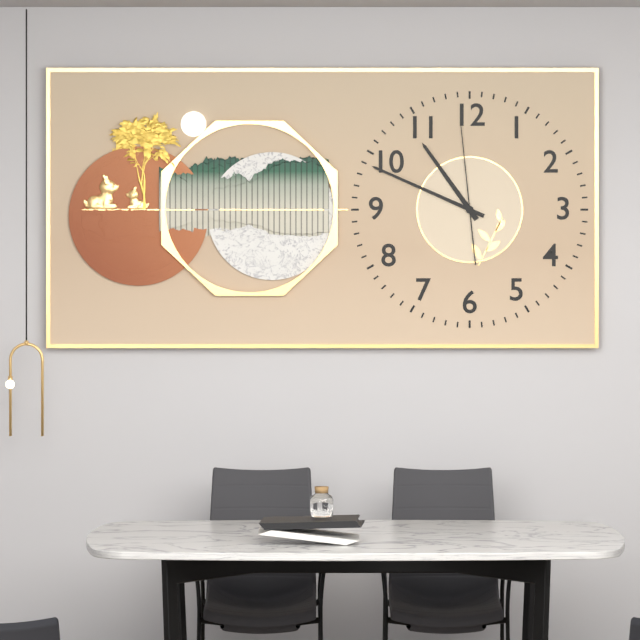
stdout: 10:49:59
